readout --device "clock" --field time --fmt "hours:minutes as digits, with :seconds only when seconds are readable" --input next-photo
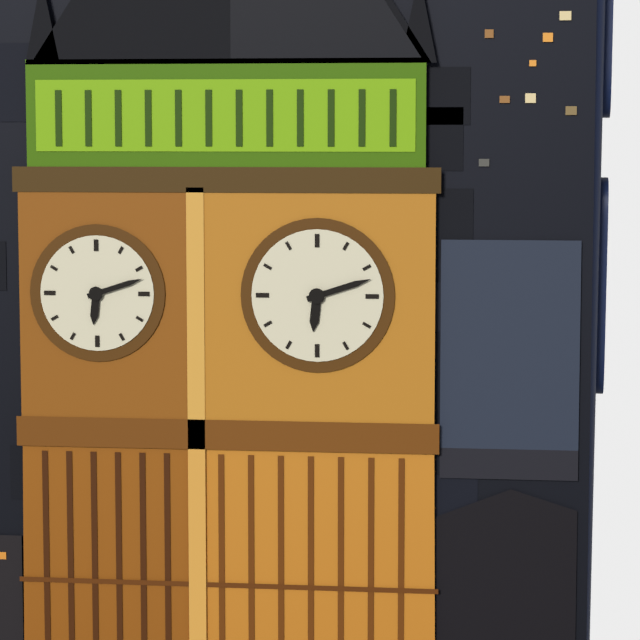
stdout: 6:12
